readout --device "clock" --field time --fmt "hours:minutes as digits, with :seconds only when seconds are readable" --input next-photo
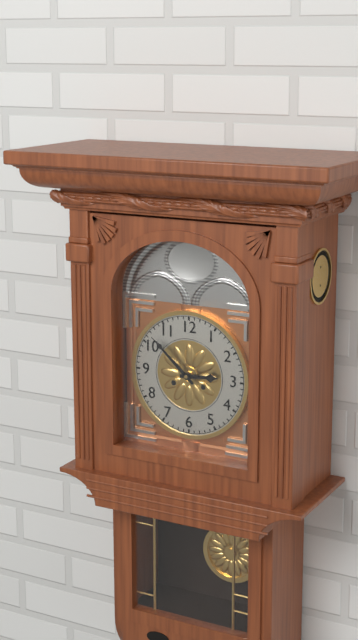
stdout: 2:52
